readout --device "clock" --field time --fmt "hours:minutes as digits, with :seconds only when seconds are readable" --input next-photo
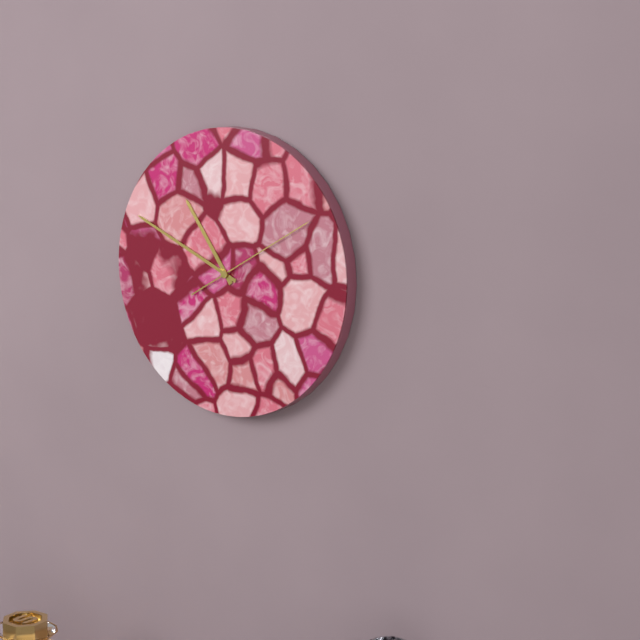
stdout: 10:49:10
